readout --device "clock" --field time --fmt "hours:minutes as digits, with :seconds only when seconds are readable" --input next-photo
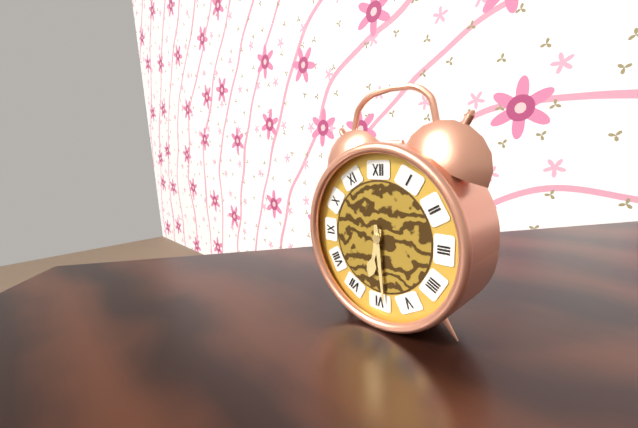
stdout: 6:29
